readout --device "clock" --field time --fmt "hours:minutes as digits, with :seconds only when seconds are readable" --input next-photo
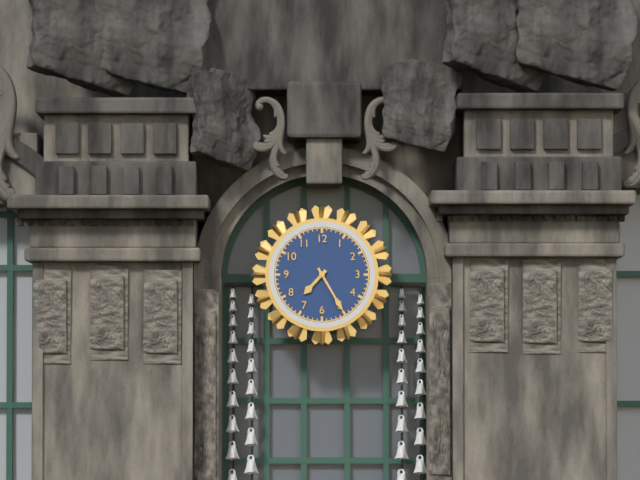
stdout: 7:25
